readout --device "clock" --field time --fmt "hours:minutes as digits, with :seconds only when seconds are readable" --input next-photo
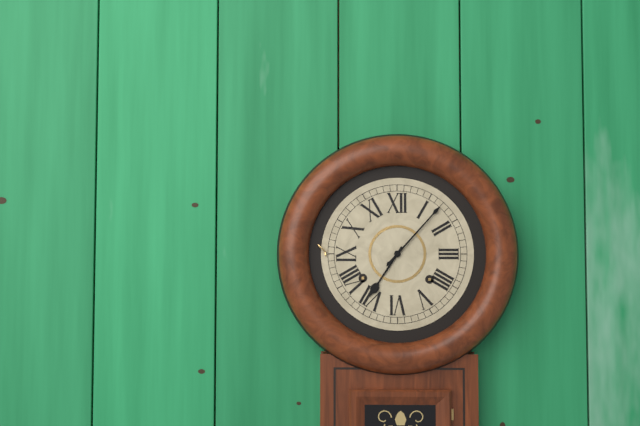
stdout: 7:07
